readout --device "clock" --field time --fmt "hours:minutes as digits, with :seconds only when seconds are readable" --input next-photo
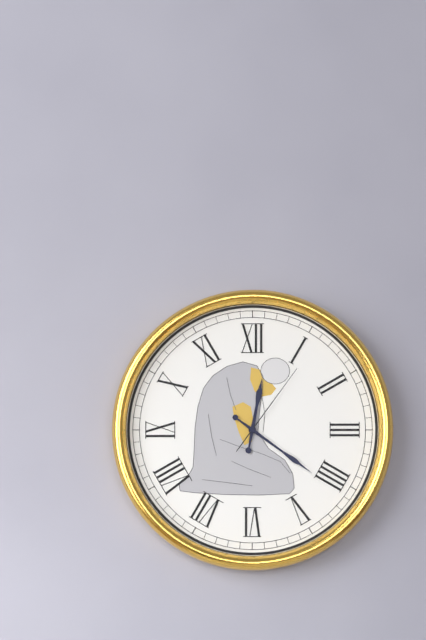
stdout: 12:21:06
